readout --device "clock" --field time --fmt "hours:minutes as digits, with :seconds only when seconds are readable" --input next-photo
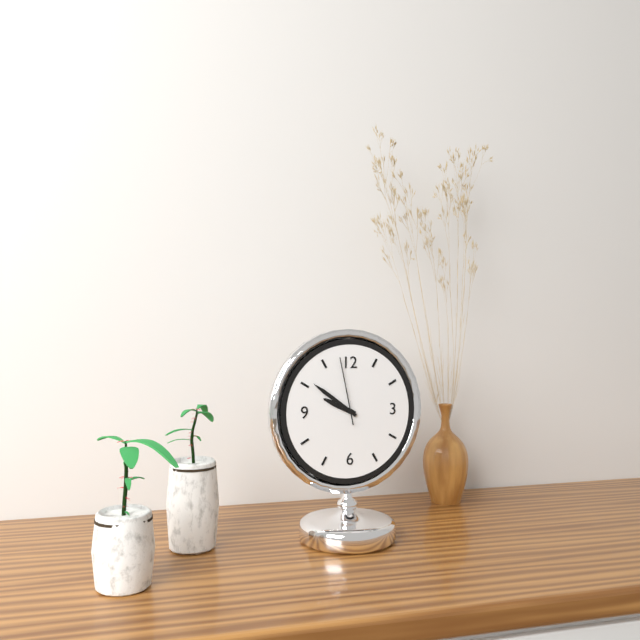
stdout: 9:51:58
